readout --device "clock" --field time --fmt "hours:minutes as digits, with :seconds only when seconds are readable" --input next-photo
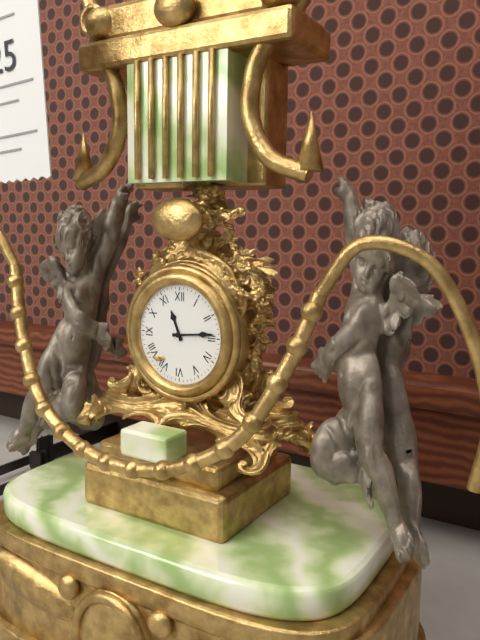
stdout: 11:14
